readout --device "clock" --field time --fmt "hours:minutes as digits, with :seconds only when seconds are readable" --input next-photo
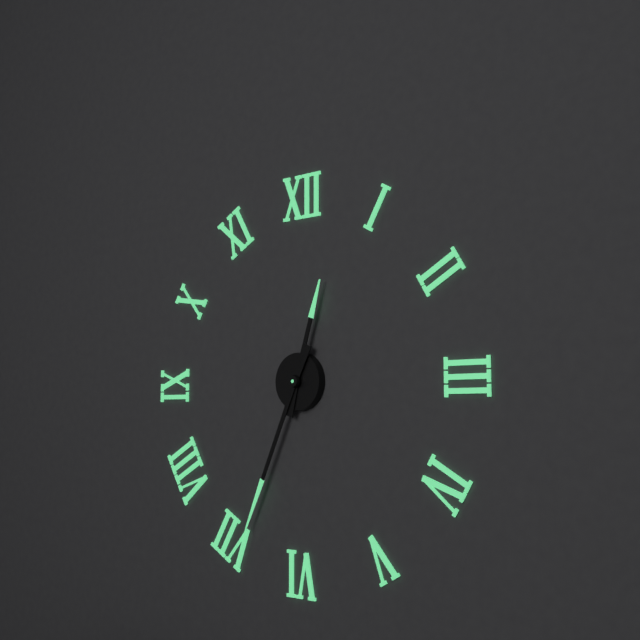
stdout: 12:34
